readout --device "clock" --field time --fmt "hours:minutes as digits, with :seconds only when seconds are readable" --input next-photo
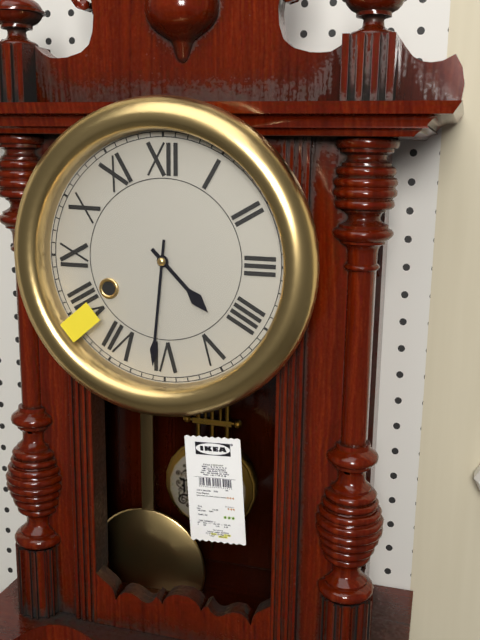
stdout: 4:31
